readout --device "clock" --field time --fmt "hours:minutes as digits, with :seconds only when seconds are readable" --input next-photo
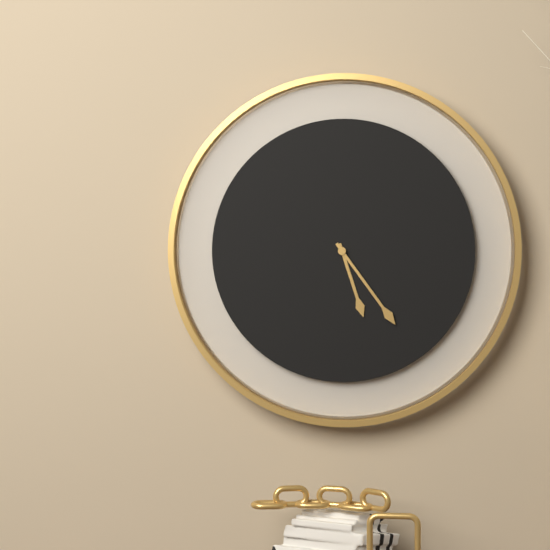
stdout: 5:24
